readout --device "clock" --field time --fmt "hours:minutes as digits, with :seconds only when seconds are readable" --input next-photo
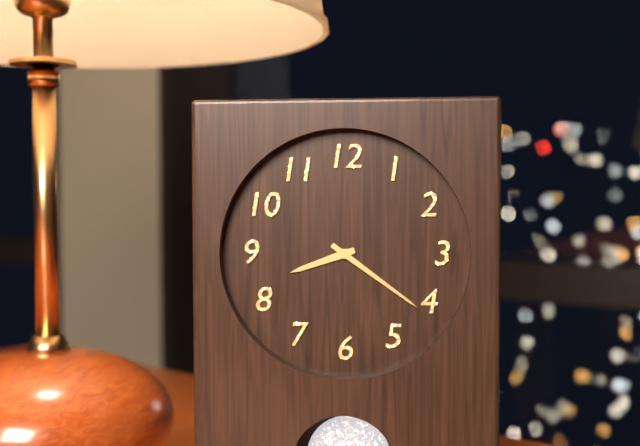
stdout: 8:21
